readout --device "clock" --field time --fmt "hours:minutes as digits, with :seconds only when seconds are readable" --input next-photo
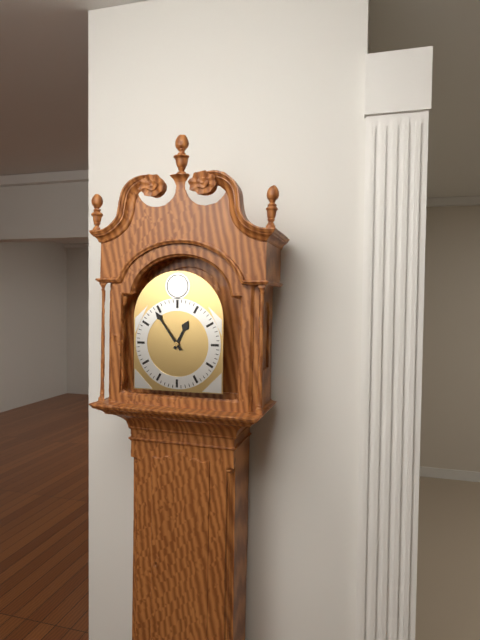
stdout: 12:54
